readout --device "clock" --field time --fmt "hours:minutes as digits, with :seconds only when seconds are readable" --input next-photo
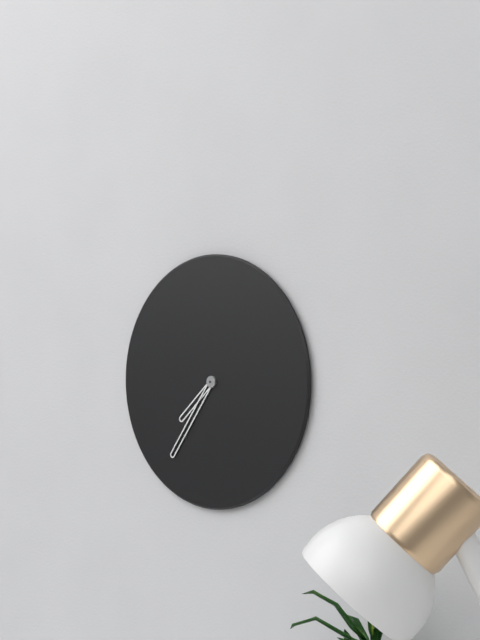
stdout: 7:36
